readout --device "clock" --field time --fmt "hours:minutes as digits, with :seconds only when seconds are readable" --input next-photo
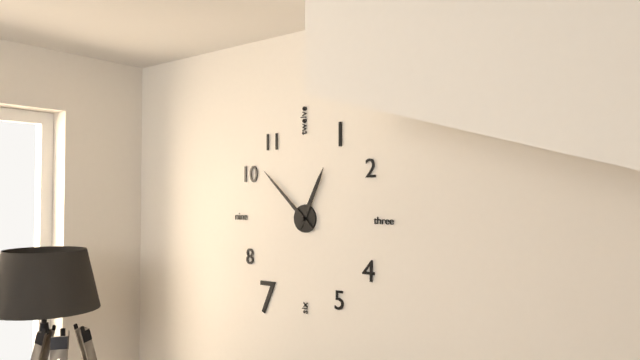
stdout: 12:52
